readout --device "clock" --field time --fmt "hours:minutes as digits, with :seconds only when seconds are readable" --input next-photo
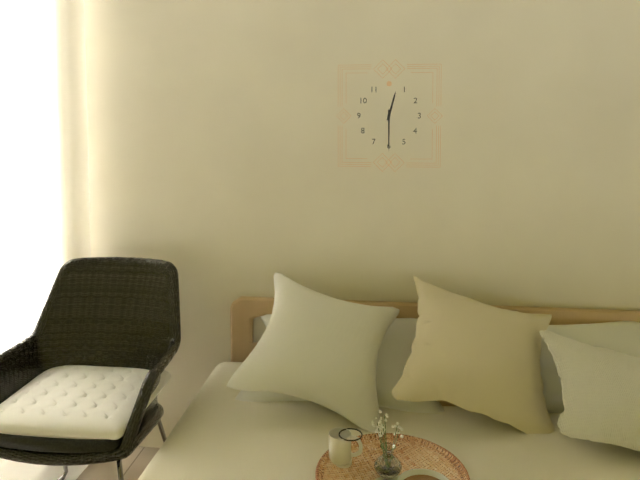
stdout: 12:30
